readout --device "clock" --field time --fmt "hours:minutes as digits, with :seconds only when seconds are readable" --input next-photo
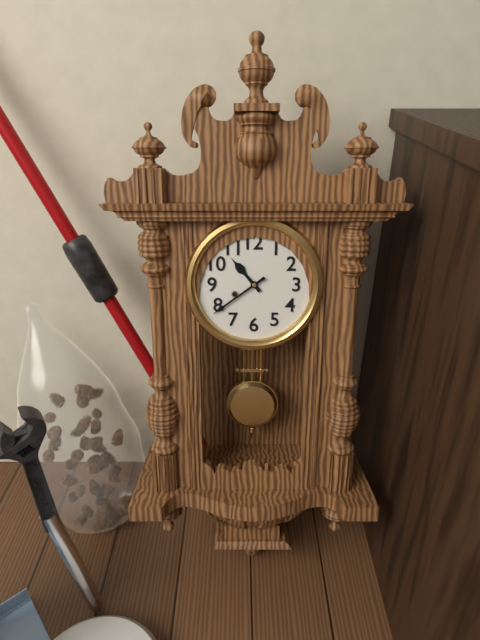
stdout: 10:39
